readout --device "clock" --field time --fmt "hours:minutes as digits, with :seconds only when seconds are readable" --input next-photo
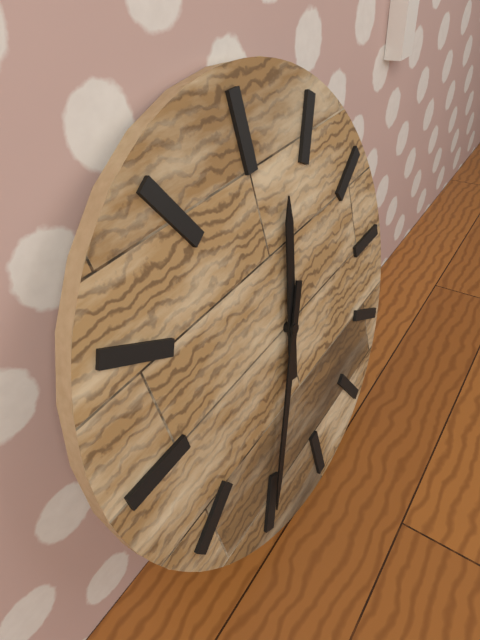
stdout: 12:35
